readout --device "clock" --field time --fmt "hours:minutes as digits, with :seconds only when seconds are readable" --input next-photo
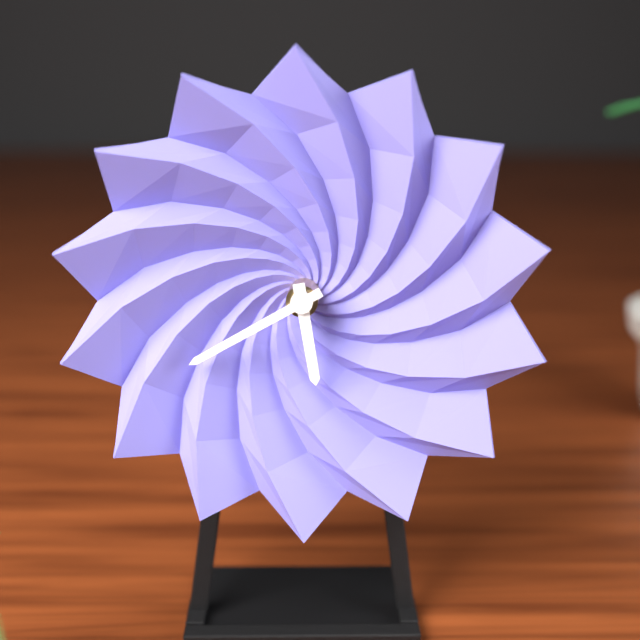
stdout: 5:40
